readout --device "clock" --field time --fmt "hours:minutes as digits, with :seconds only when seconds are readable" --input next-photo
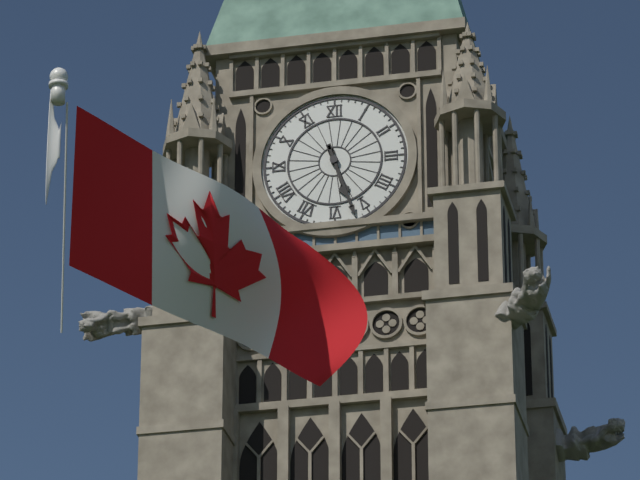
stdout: 5:27
